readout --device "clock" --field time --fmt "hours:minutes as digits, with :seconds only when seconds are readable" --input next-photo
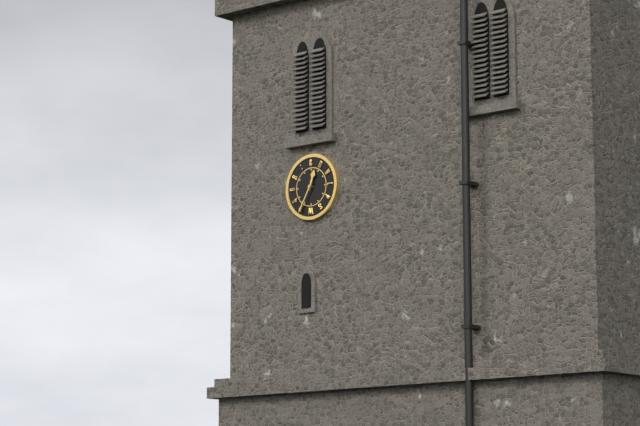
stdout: 12:35
